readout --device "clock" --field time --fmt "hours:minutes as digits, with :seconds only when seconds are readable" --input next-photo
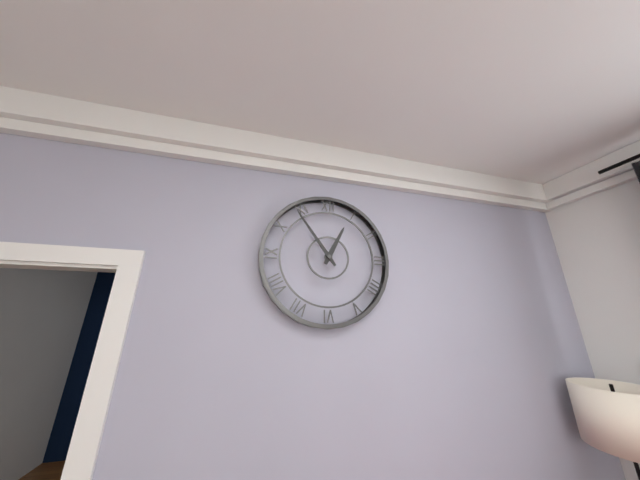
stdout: 12:54
